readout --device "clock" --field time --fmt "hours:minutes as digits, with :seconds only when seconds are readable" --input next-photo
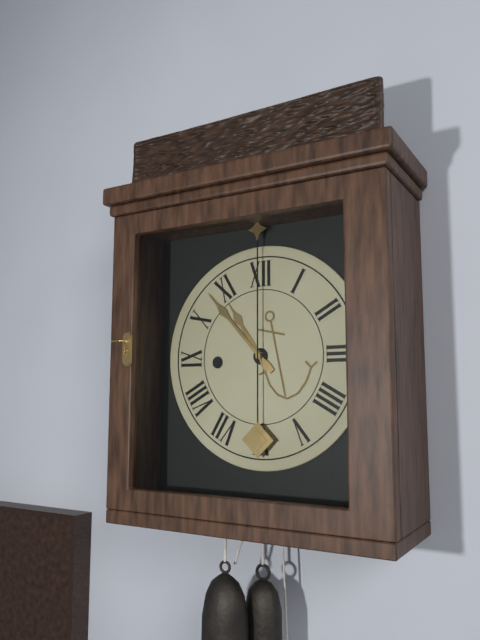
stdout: 10:53
